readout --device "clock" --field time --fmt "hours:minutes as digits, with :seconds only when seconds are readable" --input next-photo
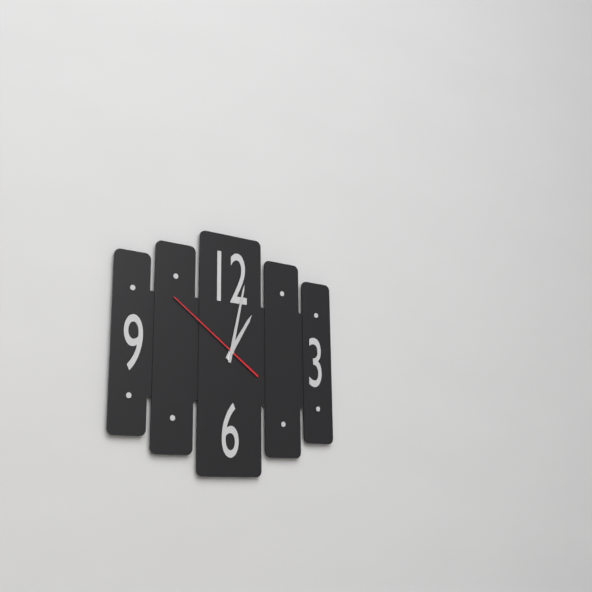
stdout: 1:02:51
